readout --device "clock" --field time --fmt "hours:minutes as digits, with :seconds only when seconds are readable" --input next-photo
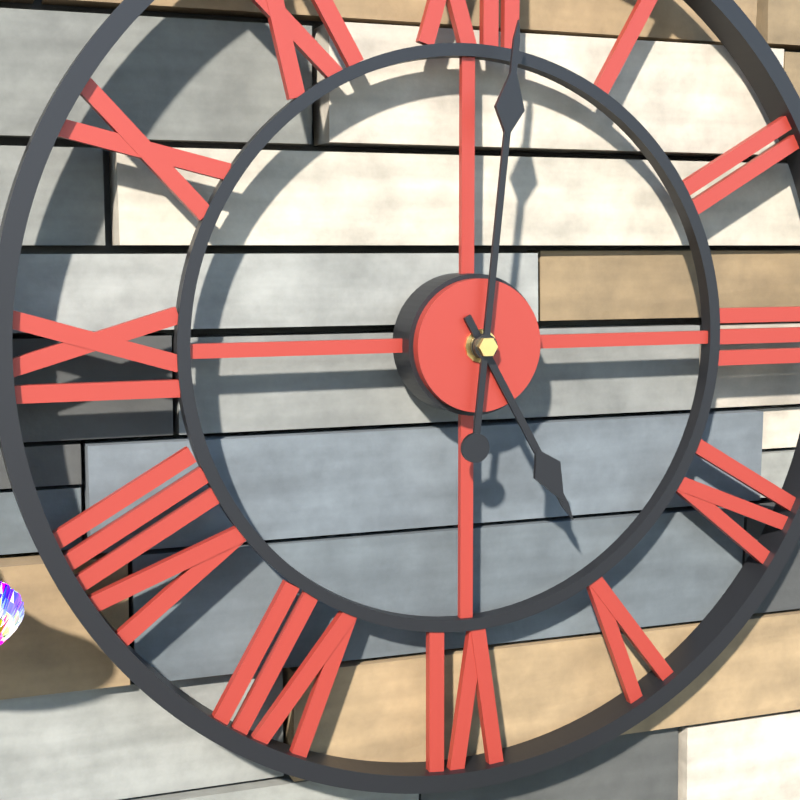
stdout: 5:01
